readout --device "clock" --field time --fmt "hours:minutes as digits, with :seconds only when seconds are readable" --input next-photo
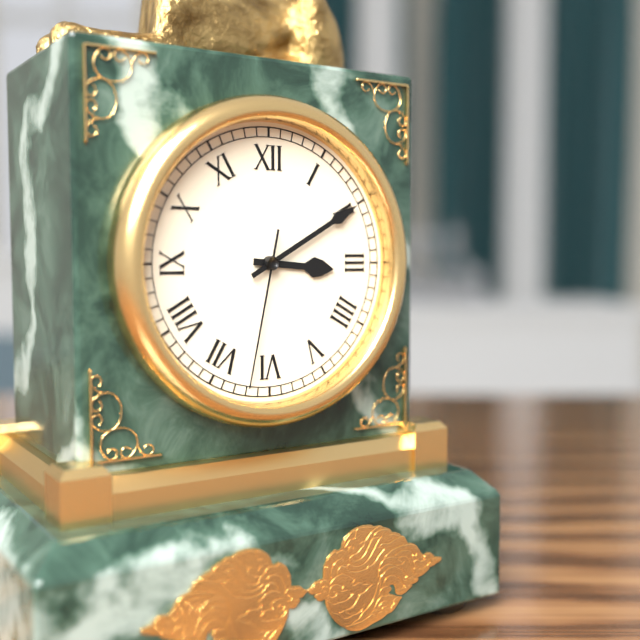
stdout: 3:10:32
